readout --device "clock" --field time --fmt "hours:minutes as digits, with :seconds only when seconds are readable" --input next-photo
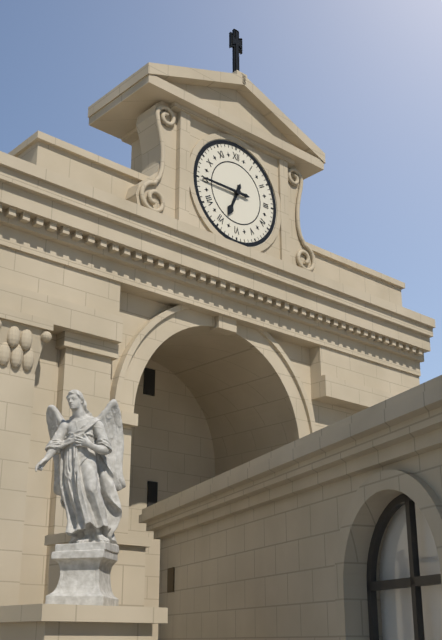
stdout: 6:45
